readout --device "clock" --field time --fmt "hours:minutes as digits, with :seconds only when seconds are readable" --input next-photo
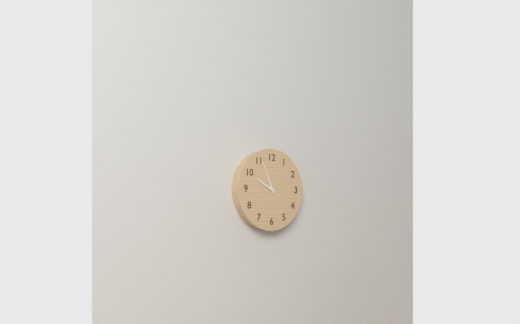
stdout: 9:56
